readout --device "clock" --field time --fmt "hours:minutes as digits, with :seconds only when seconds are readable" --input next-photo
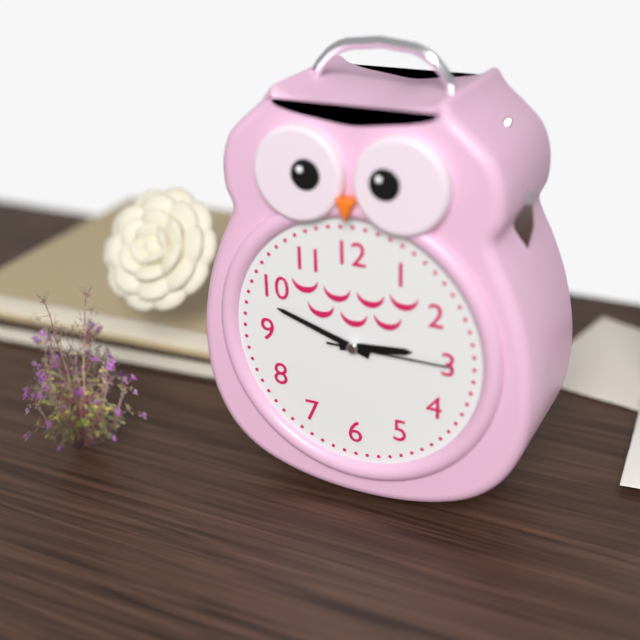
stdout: 2:48:15
